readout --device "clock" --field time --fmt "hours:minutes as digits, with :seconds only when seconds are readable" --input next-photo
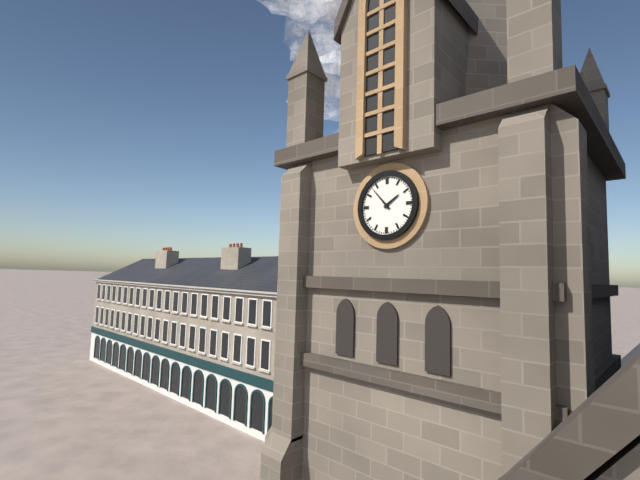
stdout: 1:53
